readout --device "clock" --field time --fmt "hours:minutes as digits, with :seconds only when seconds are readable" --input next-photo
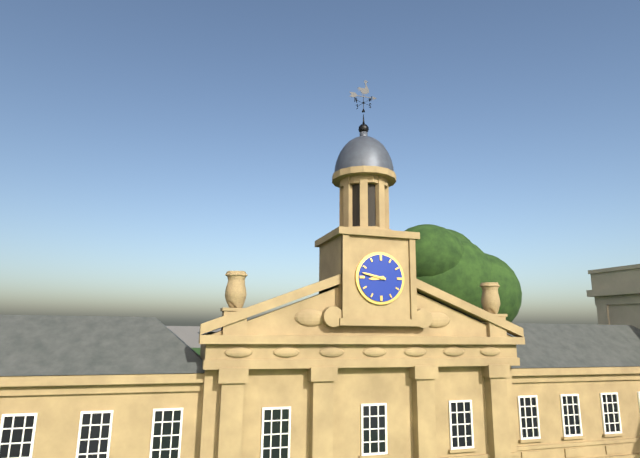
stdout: 8:47
